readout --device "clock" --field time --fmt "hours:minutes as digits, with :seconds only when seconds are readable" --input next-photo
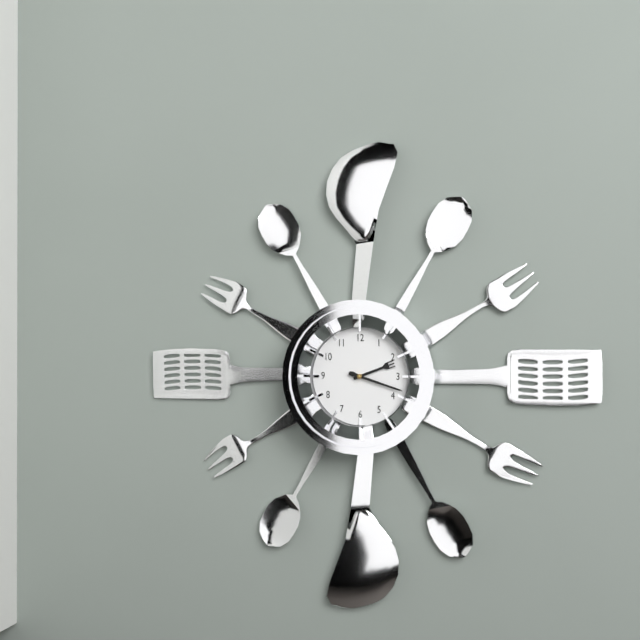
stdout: 2:18
